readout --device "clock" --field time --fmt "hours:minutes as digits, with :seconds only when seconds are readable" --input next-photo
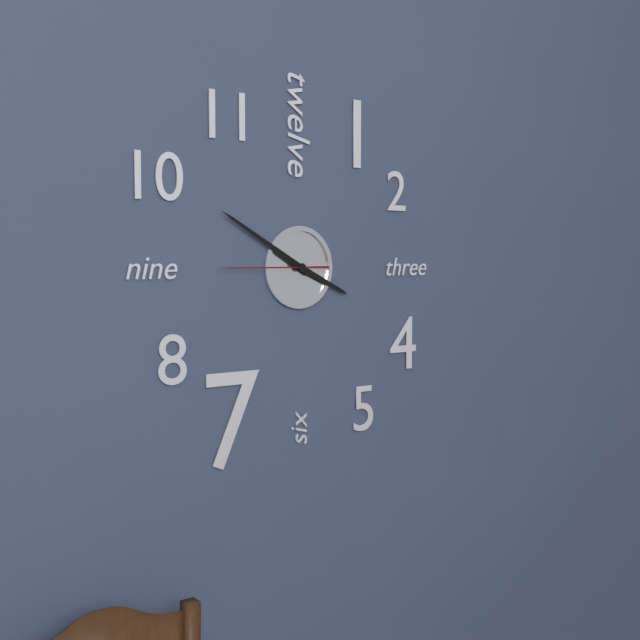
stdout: 3:50:45
